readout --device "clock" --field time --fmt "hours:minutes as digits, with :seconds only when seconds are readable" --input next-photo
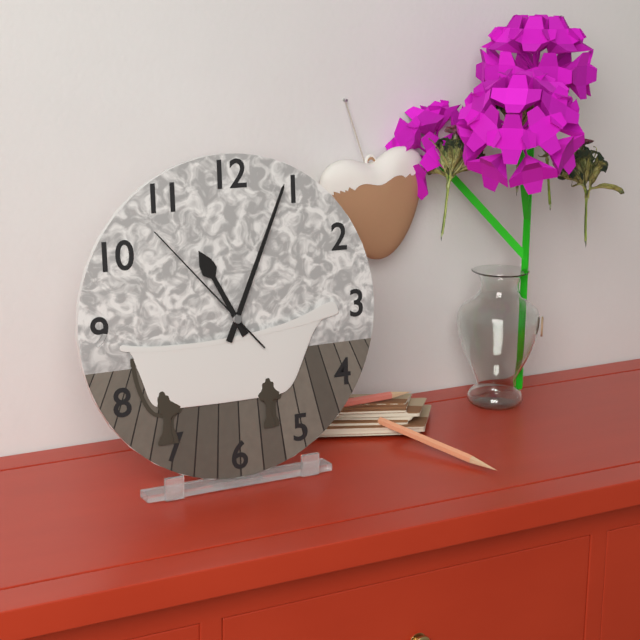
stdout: 11:04:53
